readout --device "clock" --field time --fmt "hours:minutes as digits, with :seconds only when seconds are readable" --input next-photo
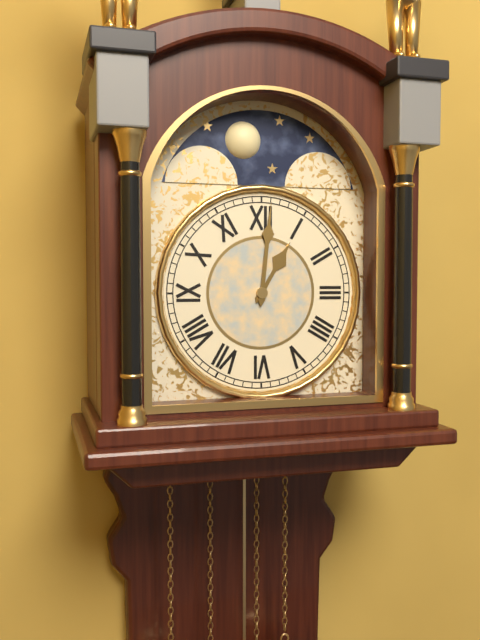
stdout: 1:01
